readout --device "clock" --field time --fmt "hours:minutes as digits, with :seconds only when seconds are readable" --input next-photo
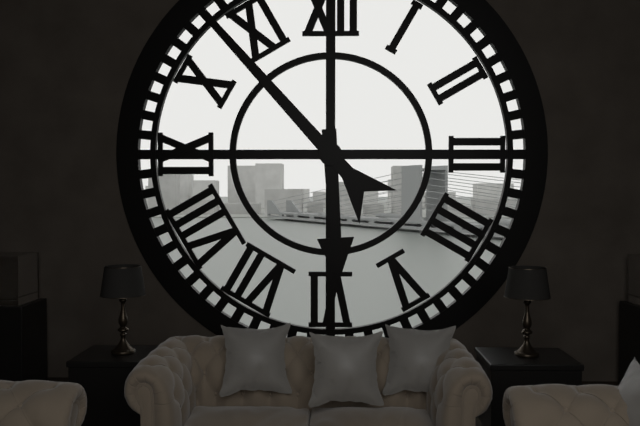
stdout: 5:53
